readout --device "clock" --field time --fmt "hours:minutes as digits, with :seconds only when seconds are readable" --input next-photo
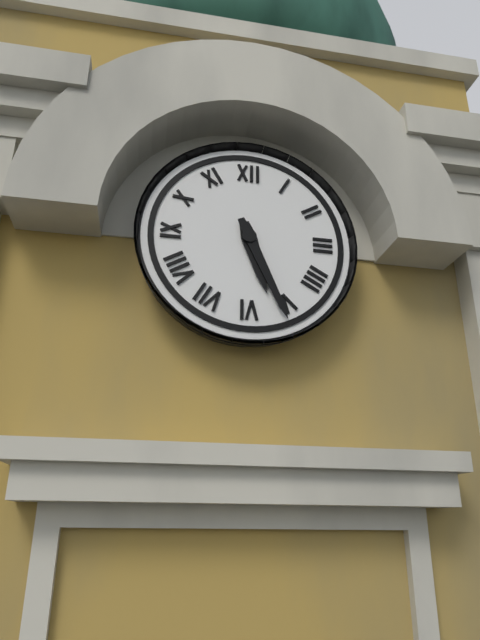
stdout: 5:26
